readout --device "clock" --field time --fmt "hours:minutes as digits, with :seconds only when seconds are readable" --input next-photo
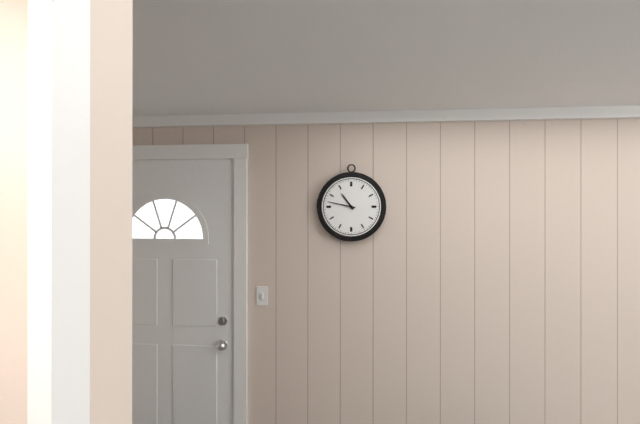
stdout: 10:47
